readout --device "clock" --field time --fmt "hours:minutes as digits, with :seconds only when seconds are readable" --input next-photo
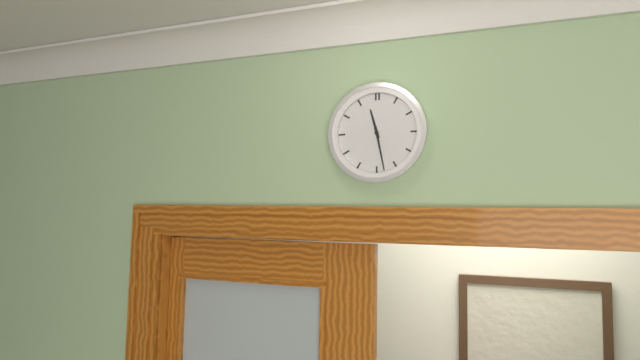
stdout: 11:28
